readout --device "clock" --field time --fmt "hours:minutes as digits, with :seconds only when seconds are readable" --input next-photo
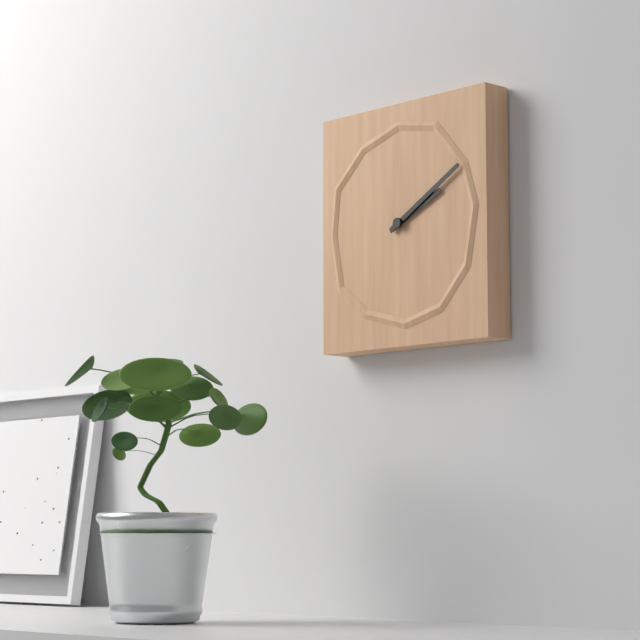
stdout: 2:10
